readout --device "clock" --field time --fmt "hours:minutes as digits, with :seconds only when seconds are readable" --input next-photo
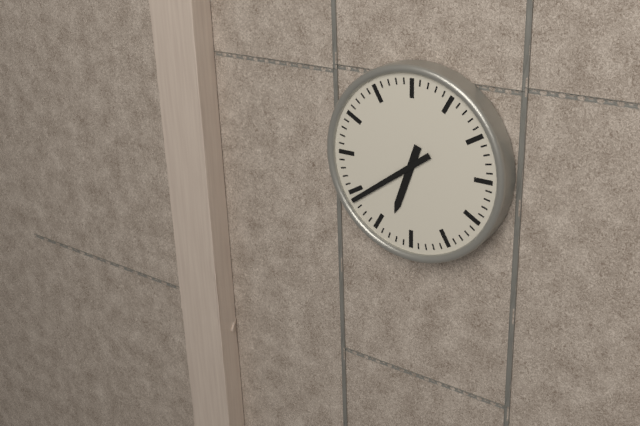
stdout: 6:39
